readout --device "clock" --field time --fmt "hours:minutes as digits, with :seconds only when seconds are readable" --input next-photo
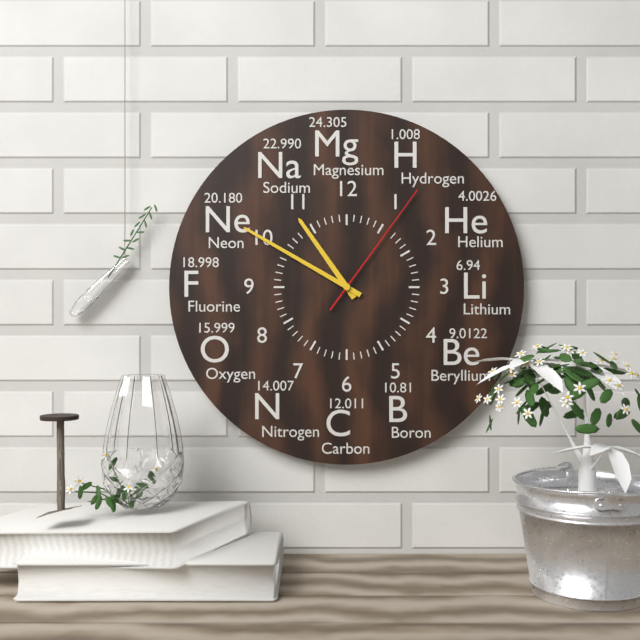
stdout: 10:50:06
